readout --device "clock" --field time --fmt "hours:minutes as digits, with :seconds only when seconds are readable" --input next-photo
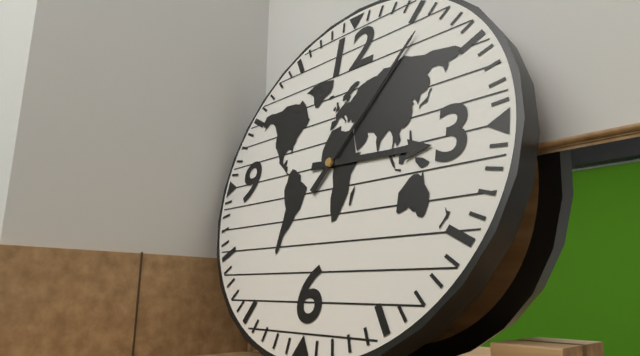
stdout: 3:06
